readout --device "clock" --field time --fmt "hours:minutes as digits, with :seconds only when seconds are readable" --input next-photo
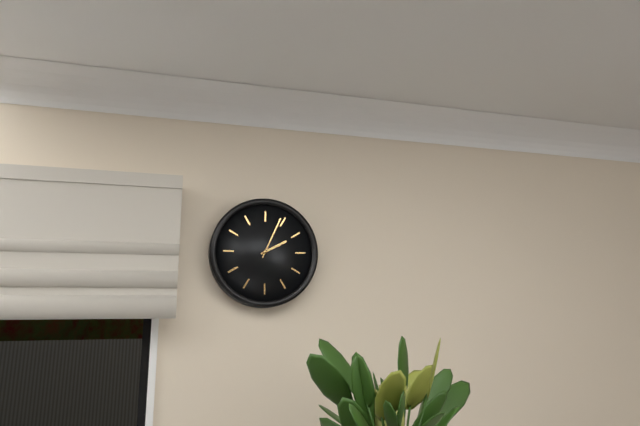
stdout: 2:04
